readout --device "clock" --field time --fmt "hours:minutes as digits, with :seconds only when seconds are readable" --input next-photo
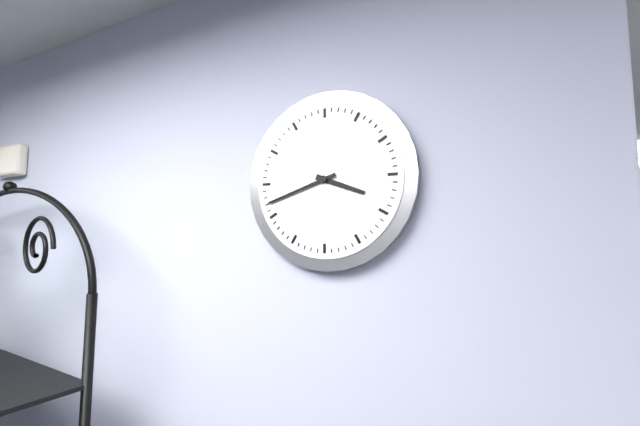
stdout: 3:42
